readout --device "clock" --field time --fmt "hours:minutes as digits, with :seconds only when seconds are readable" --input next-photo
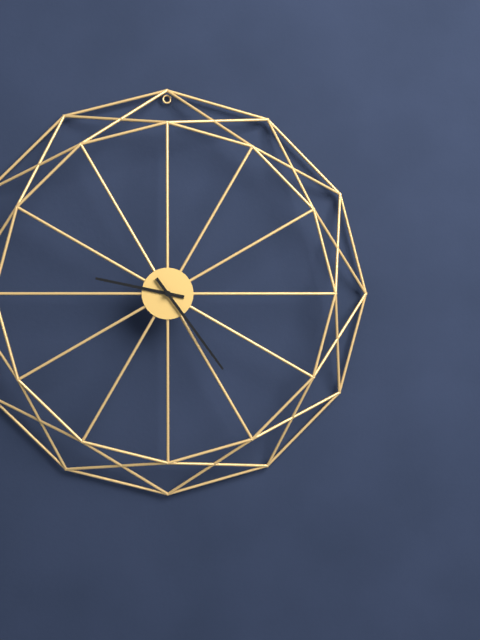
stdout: 9:24
